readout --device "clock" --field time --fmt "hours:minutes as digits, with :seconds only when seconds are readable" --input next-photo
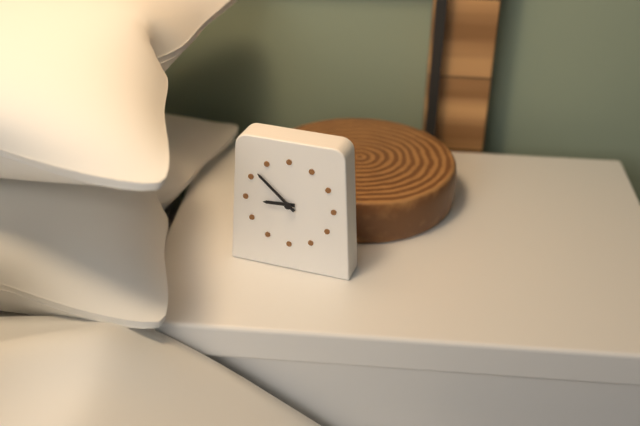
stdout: 8:52
